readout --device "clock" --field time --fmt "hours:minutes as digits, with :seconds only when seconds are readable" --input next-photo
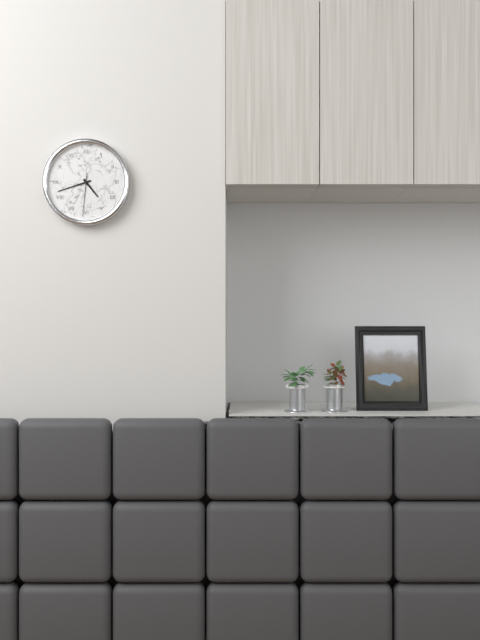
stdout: 4:42
